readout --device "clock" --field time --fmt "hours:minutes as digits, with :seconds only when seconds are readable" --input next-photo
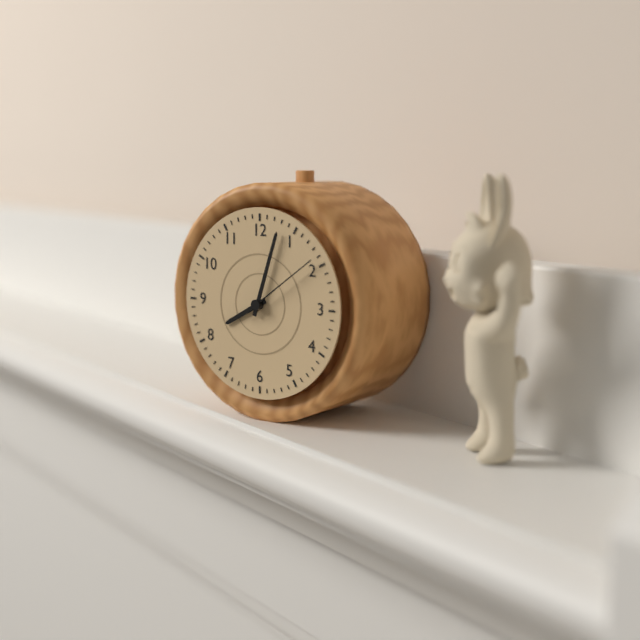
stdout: 8:03:09
